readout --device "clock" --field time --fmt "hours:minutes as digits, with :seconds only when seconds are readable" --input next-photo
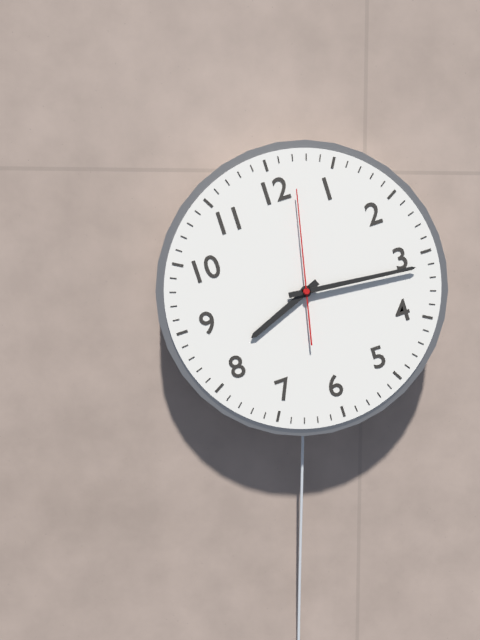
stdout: 8:16:02
